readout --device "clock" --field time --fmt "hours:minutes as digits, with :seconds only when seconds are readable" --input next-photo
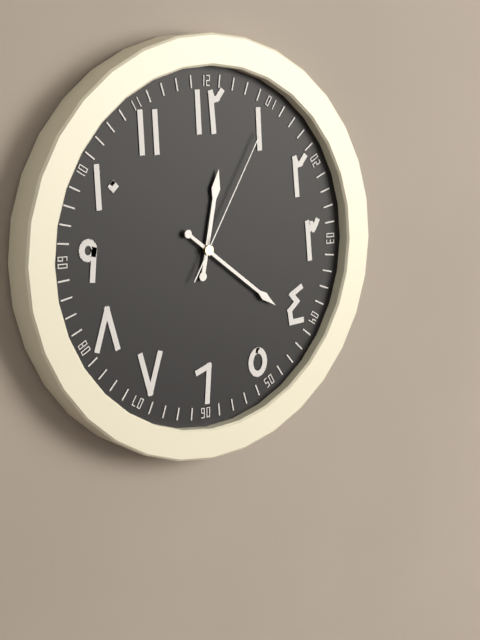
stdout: 12:21:05
